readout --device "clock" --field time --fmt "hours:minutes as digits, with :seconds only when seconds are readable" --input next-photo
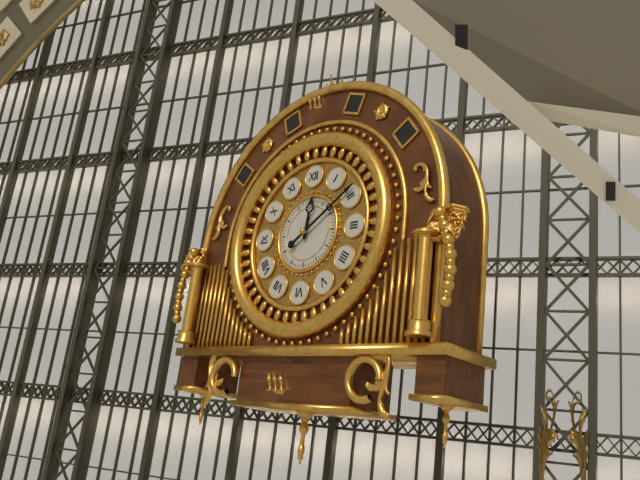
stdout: 12:09
